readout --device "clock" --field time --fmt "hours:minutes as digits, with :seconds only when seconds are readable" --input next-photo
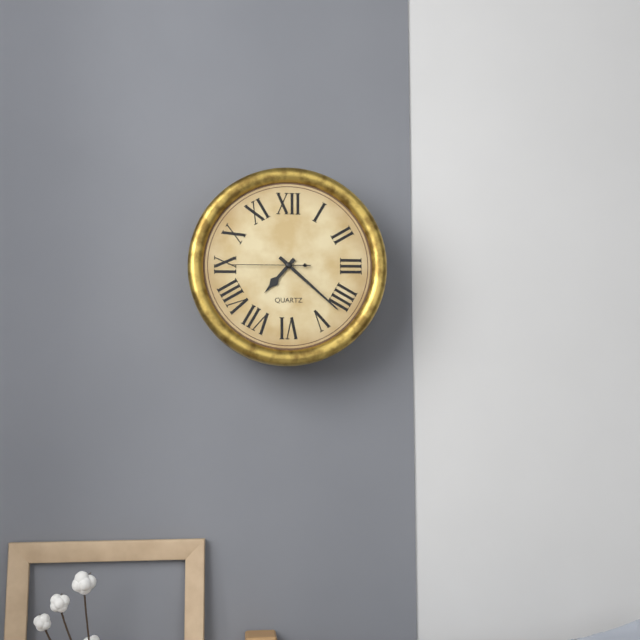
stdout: 7:22:45
